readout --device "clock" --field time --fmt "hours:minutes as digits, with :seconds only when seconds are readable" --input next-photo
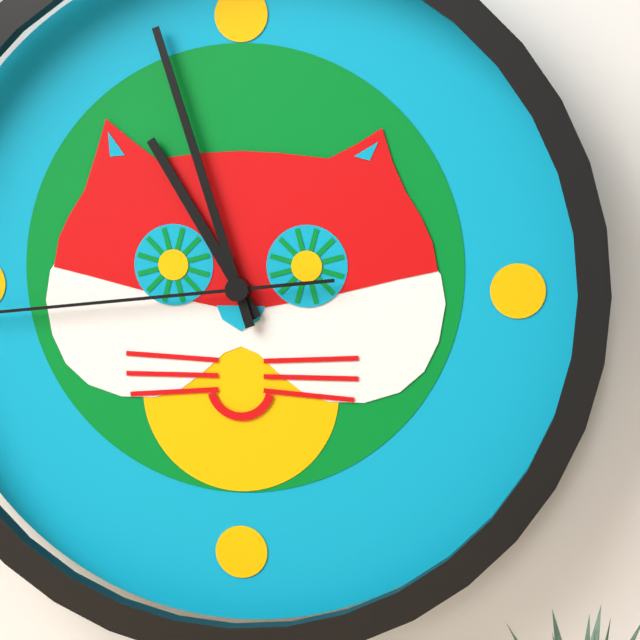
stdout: 10:57
